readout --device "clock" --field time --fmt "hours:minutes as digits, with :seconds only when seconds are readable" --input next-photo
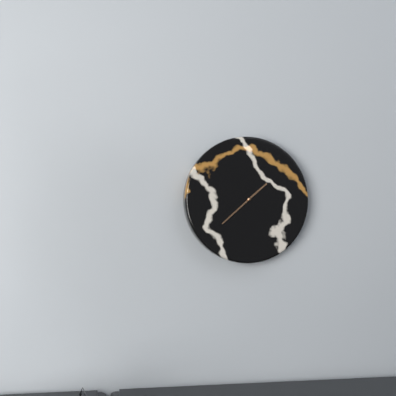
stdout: 1:38
